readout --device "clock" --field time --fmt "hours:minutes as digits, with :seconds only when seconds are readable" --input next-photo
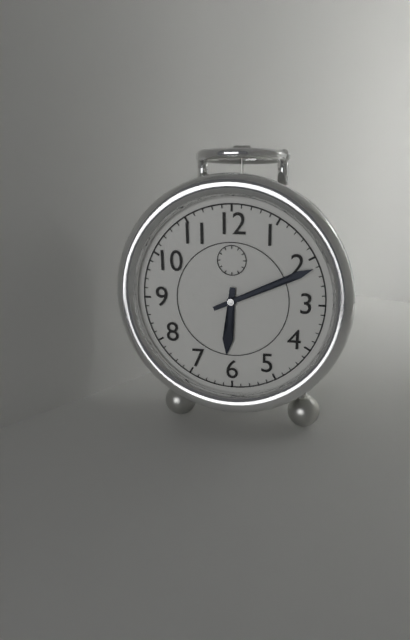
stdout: 6:11
